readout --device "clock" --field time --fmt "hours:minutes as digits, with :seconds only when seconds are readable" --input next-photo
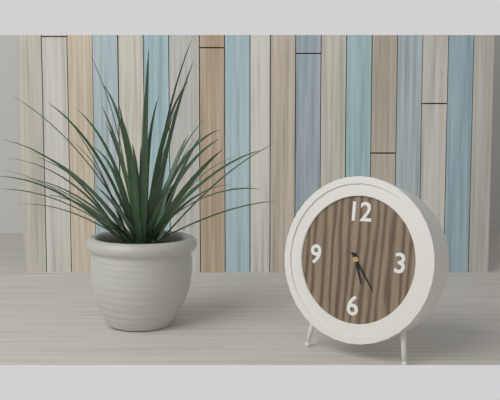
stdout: 5:24
